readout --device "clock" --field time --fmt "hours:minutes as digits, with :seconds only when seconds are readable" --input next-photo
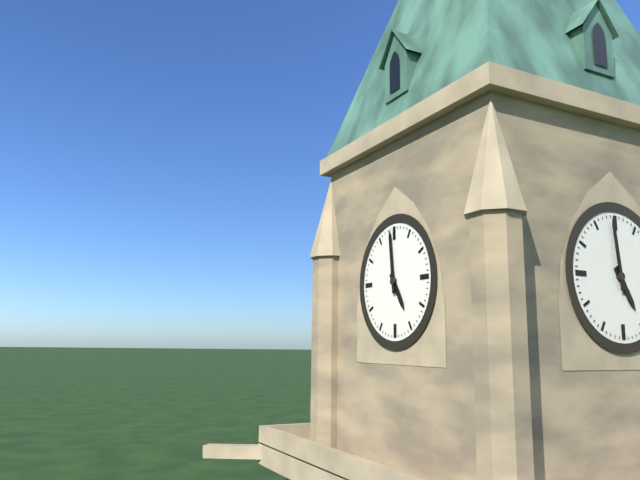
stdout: 4:59
